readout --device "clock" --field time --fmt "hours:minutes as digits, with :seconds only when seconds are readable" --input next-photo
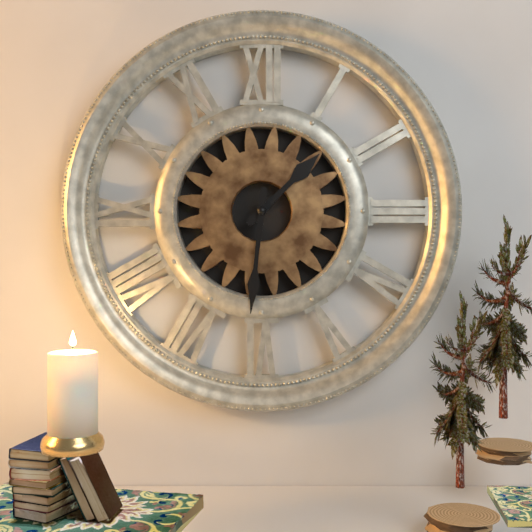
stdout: 1:31
